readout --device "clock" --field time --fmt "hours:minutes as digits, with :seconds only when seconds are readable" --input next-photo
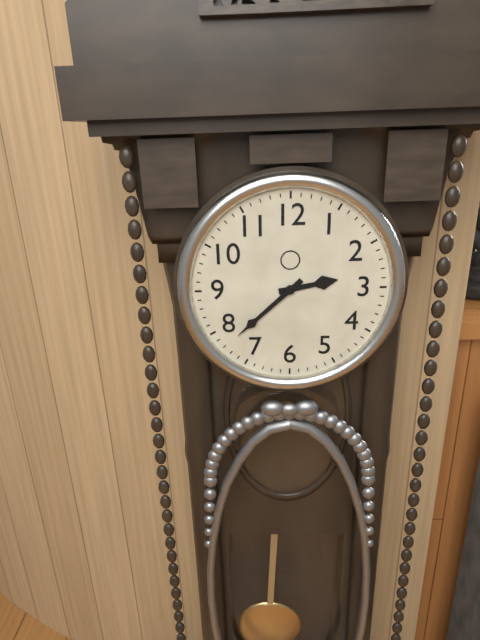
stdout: 2:38
